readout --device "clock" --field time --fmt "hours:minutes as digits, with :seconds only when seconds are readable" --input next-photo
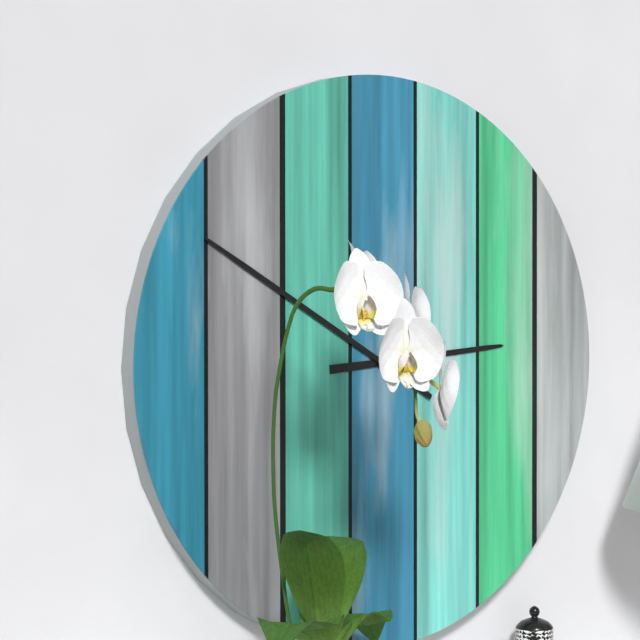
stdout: 2:50
